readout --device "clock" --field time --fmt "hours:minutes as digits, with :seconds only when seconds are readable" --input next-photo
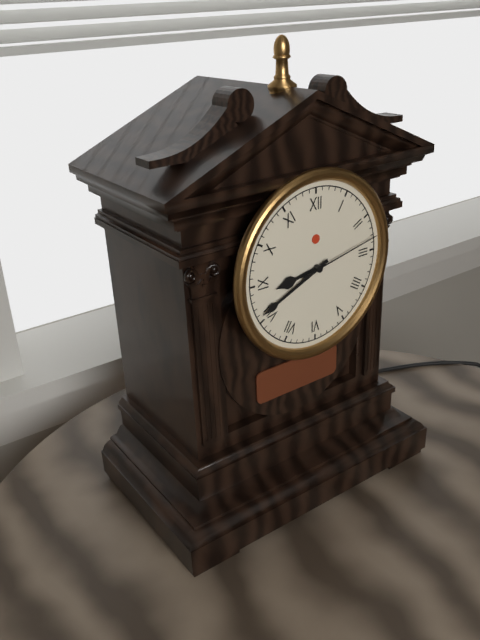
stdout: 8:41:13
